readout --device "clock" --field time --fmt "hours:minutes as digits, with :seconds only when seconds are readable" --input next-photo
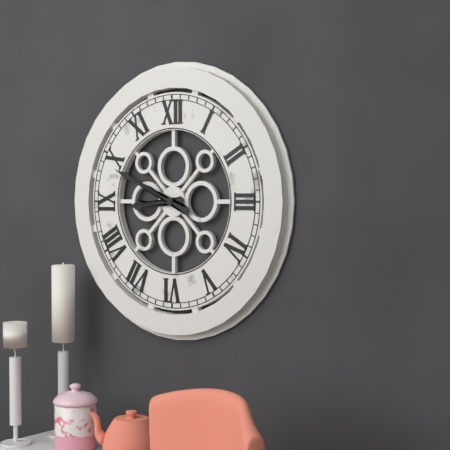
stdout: 8:49
